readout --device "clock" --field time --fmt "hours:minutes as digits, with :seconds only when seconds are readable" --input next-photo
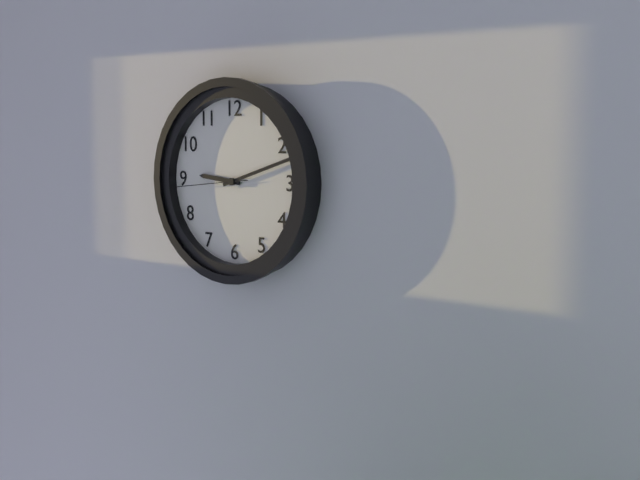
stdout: 9:12:44
